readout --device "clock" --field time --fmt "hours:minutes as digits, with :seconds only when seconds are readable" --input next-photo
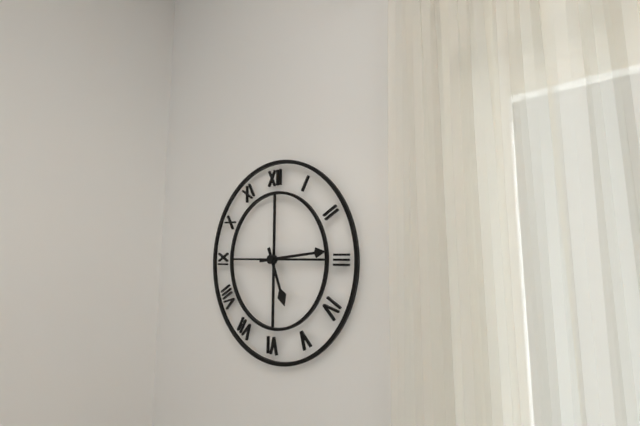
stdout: 5:14
